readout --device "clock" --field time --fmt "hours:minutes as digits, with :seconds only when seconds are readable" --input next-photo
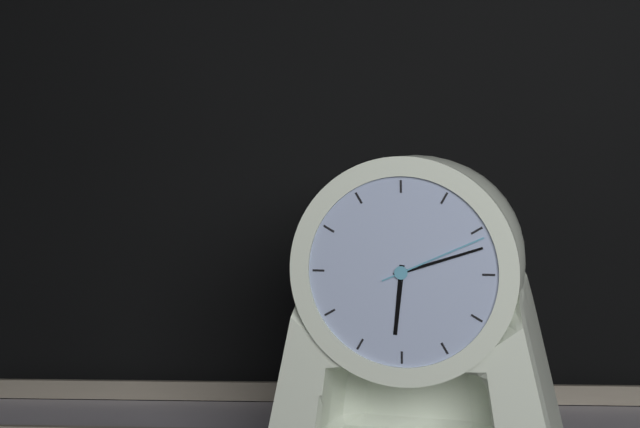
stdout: 6:12:11
